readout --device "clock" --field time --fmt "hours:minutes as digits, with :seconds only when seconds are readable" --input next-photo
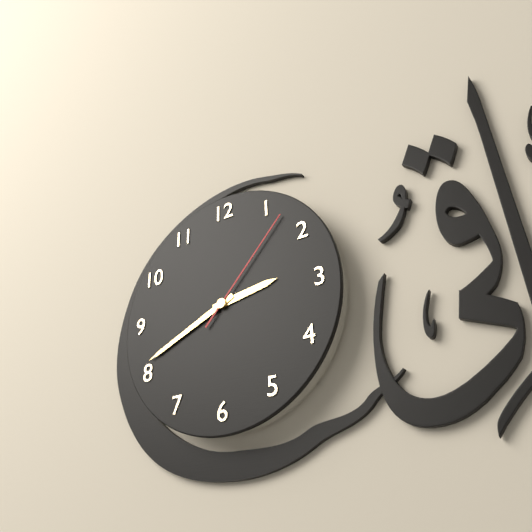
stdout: 2:41:07
